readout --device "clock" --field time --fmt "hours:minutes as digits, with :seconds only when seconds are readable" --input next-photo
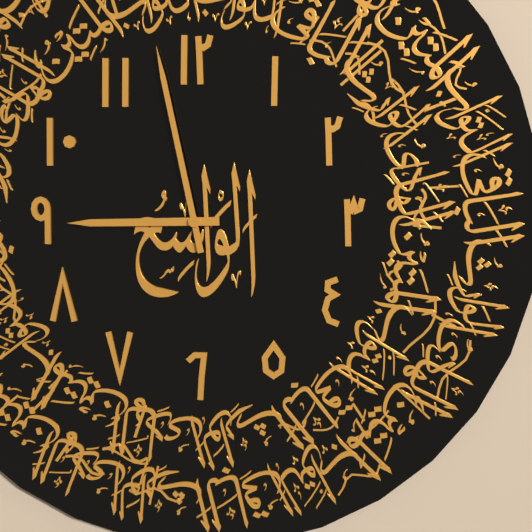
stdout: 8:58
